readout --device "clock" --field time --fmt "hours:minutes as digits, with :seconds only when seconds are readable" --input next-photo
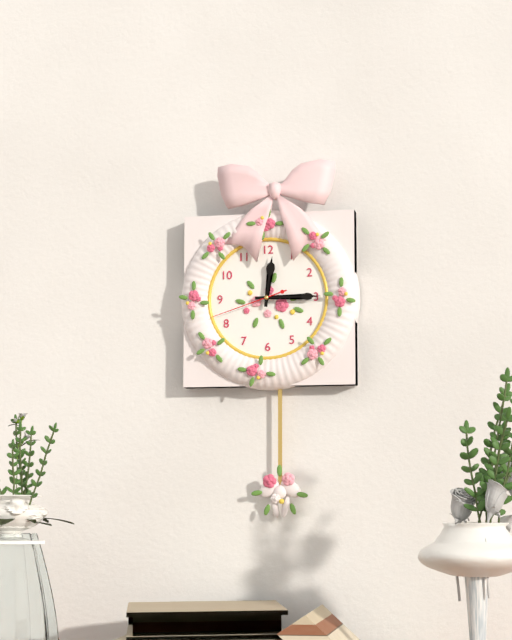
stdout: 12:15:42
